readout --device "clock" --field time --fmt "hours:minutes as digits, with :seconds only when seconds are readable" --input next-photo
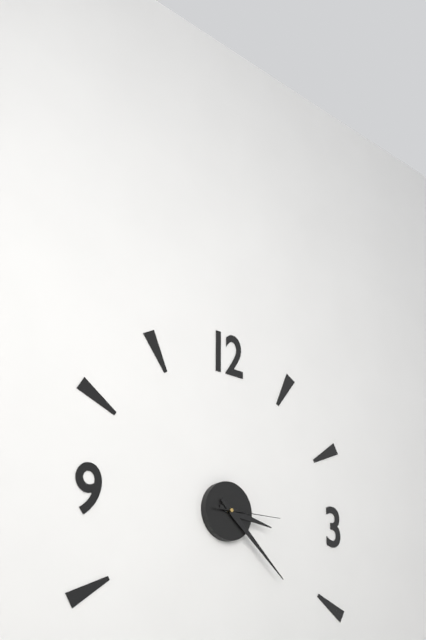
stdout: 3:22:15
